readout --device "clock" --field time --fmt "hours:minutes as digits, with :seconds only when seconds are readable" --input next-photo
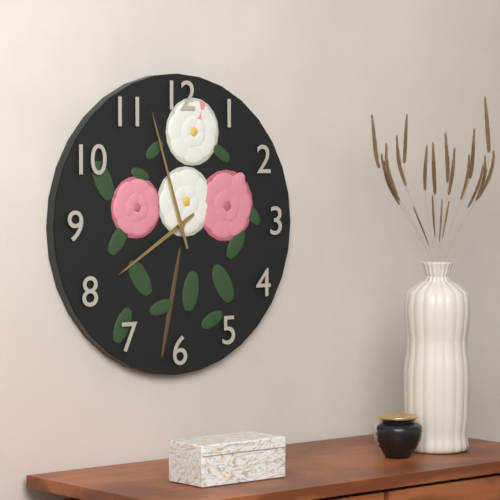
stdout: 7:57
